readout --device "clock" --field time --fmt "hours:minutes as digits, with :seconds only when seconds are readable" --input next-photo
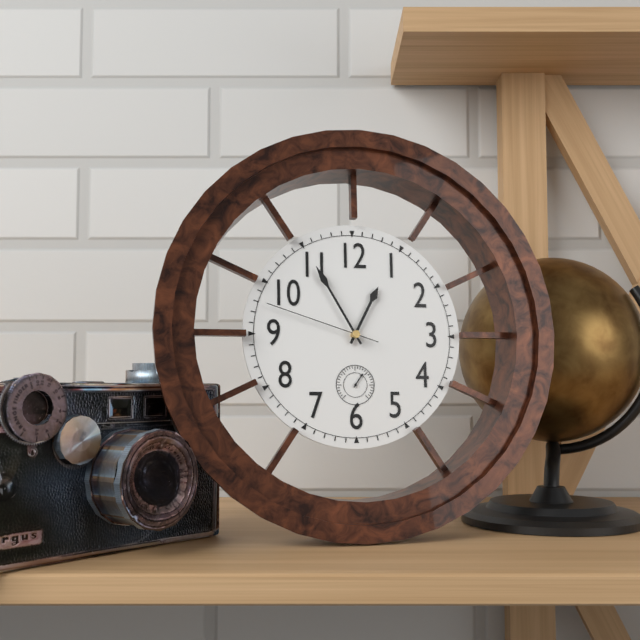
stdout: 12:55:48
